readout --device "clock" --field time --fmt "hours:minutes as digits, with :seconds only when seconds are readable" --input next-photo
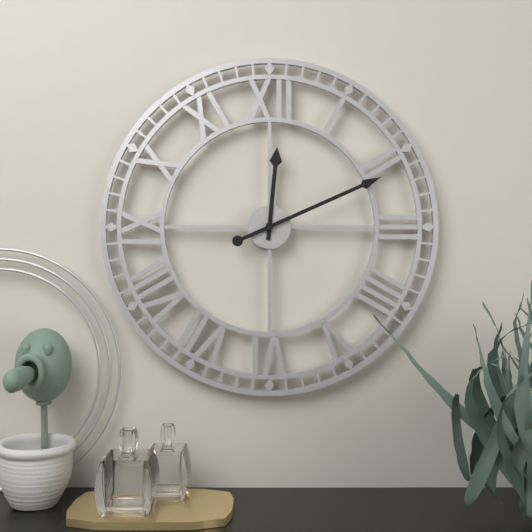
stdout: 12:11
